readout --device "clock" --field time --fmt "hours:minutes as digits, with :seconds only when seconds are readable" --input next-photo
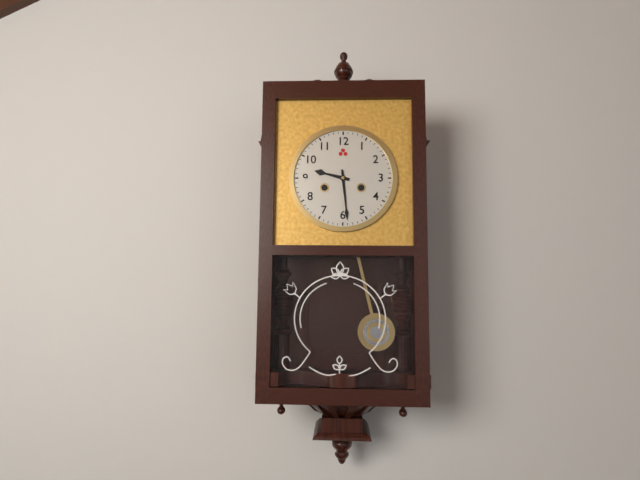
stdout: 9:29
